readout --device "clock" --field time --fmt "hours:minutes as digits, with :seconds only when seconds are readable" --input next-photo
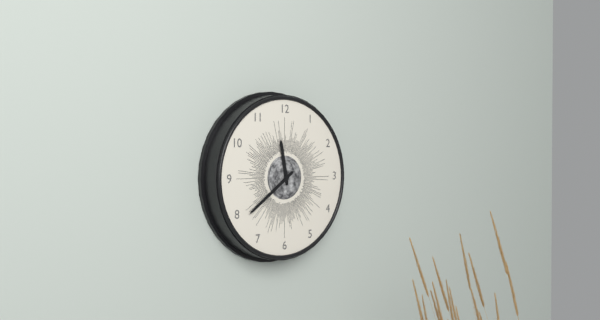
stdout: 11:39
